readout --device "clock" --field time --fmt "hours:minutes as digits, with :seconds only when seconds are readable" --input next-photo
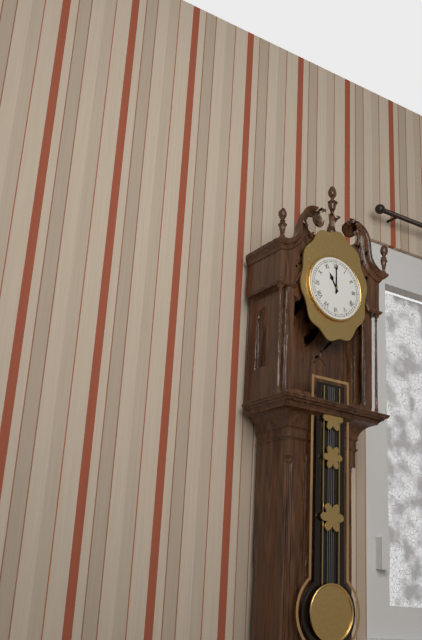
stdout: 11:00
